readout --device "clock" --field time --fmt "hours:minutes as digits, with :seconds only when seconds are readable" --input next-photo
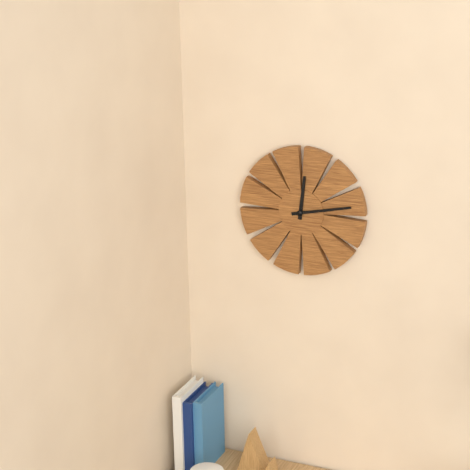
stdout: 12:13
